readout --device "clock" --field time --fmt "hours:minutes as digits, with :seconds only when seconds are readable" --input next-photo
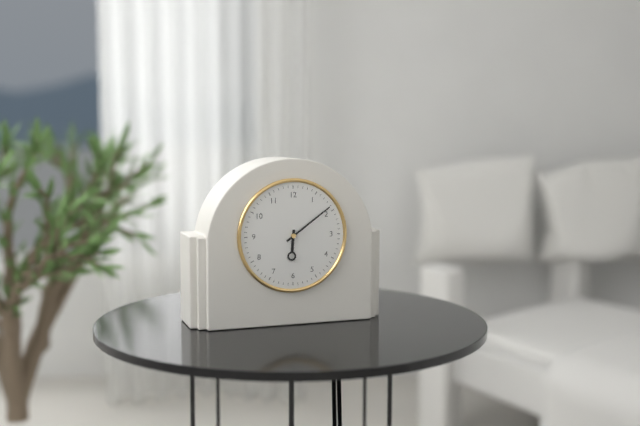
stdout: 6:09
